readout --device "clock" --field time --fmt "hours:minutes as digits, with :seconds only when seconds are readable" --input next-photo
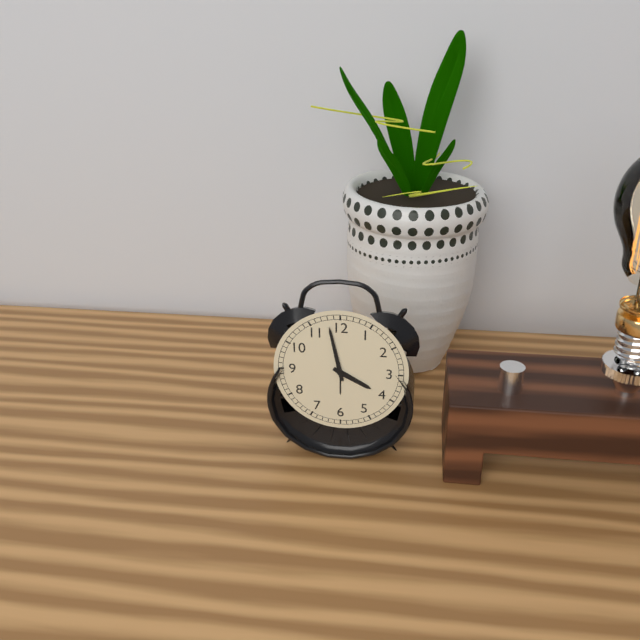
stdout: 3:58
